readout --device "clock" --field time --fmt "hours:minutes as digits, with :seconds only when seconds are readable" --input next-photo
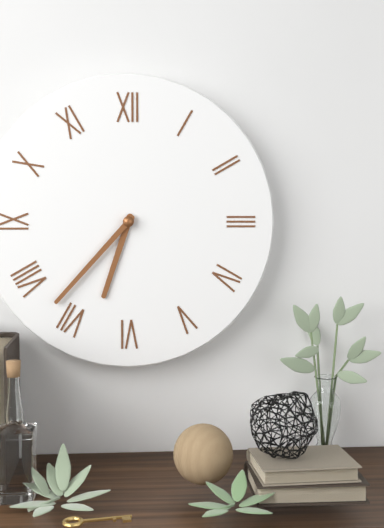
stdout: 6:37
